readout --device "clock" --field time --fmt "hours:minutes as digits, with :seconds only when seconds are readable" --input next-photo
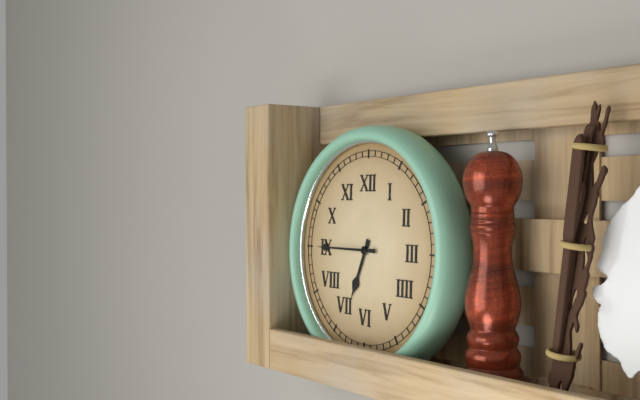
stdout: 6:45
